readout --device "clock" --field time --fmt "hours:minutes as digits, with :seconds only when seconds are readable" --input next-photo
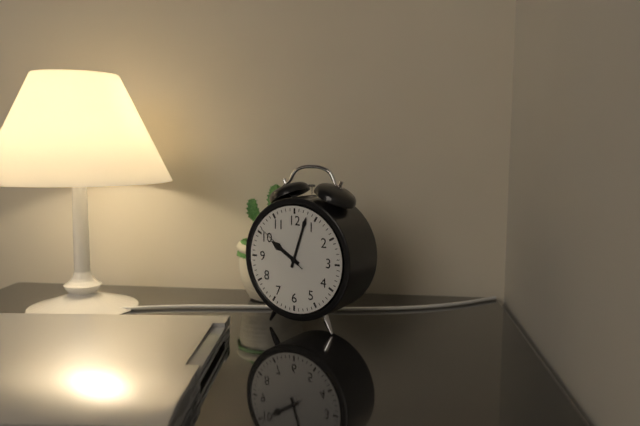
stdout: 10:03:51
